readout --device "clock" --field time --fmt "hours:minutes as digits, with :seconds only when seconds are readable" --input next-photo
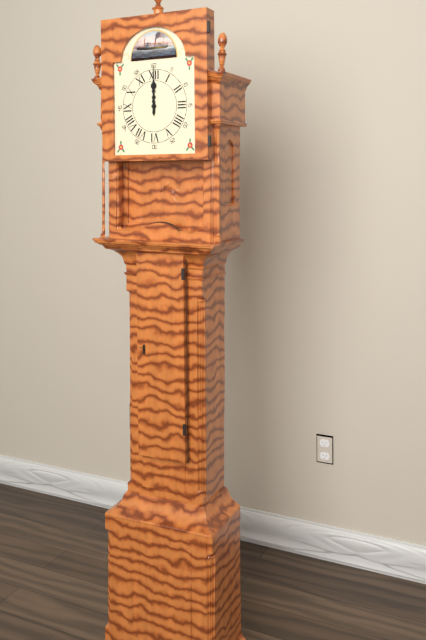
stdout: 12:00
